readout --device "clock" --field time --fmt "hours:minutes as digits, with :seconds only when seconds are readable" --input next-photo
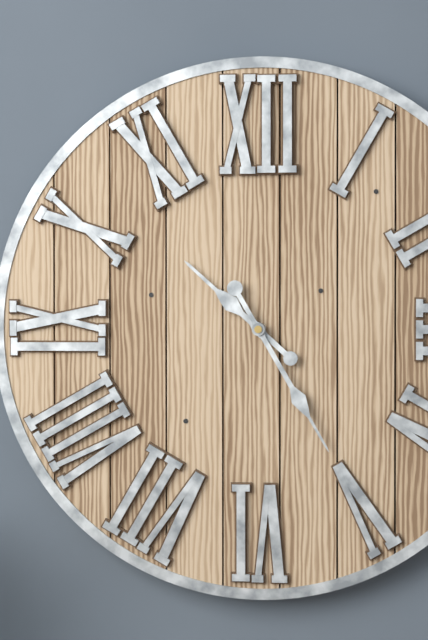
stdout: 10:25
